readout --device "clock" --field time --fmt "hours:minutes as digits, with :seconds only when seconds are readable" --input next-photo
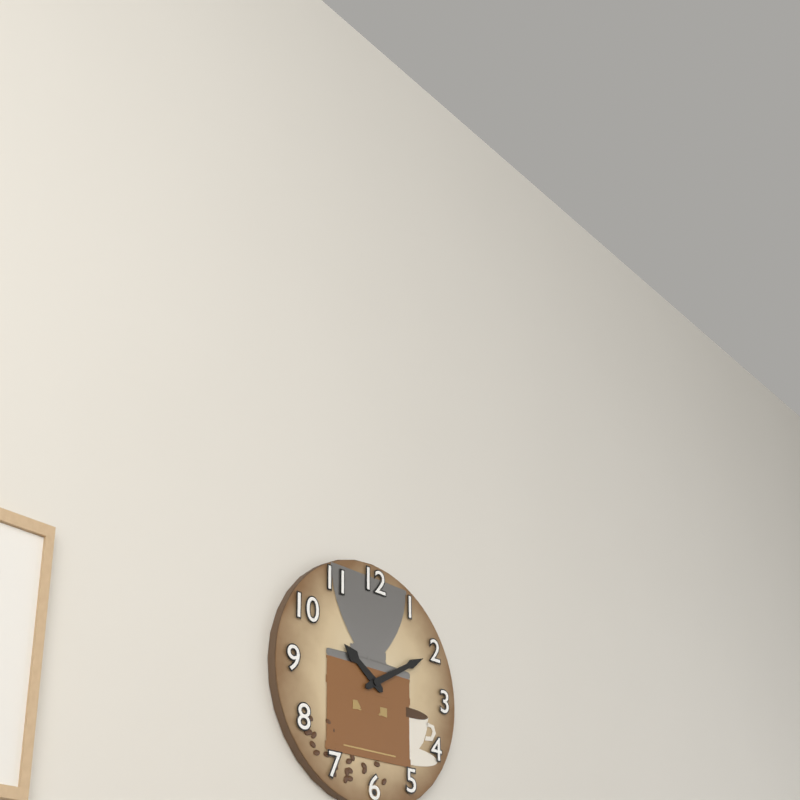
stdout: 10:10
